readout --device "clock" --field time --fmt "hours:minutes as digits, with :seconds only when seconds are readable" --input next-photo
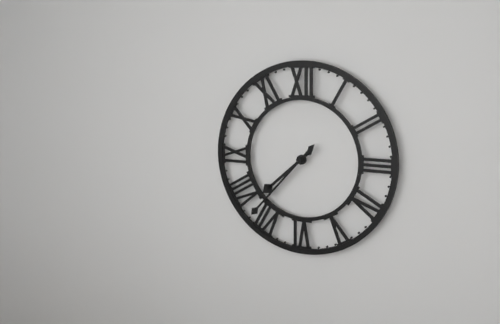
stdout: 7:37
